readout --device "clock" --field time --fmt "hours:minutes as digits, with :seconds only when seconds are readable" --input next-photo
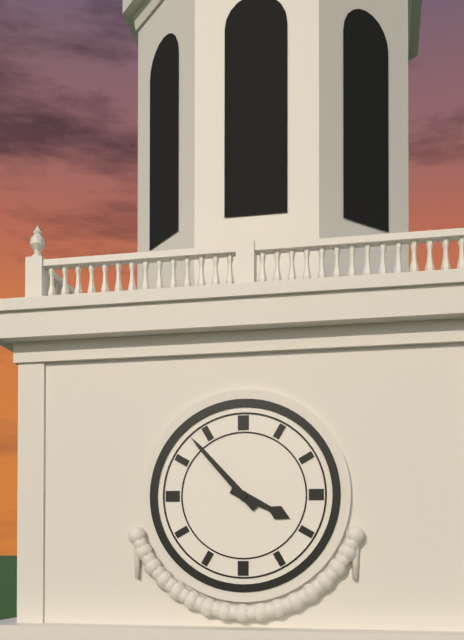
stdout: 3:53
